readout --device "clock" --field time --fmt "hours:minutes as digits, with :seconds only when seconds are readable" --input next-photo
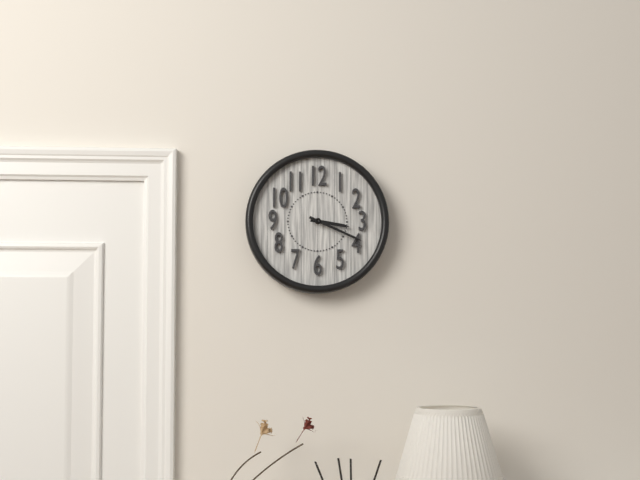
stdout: 3:19
